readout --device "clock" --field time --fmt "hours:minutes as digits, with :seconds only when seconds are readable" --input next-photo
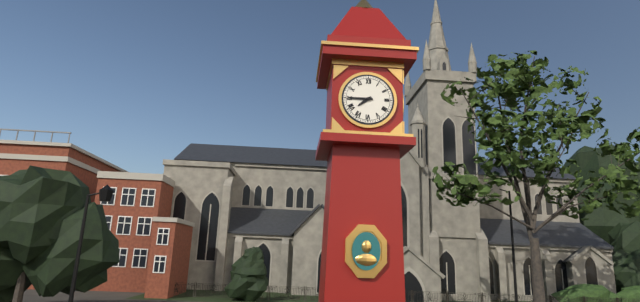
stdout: 7:45
